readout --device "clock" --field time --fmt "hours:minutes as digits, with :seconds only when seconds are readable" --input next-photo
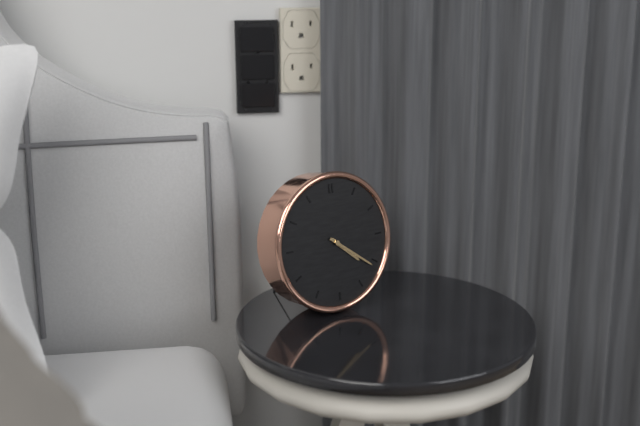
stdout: 4:21
